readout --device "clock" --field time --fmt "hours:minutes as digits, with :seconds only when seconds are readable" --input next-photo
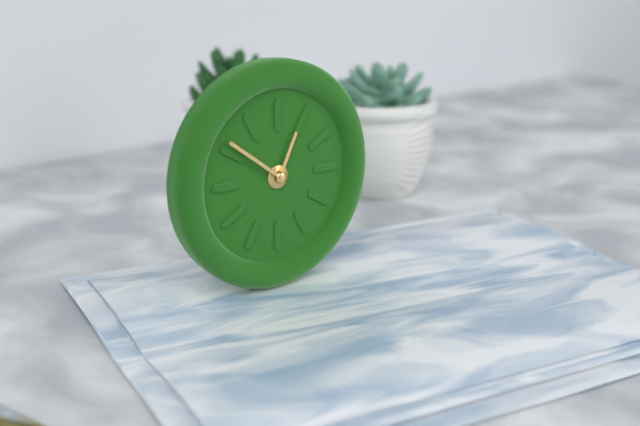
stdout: 12:51
